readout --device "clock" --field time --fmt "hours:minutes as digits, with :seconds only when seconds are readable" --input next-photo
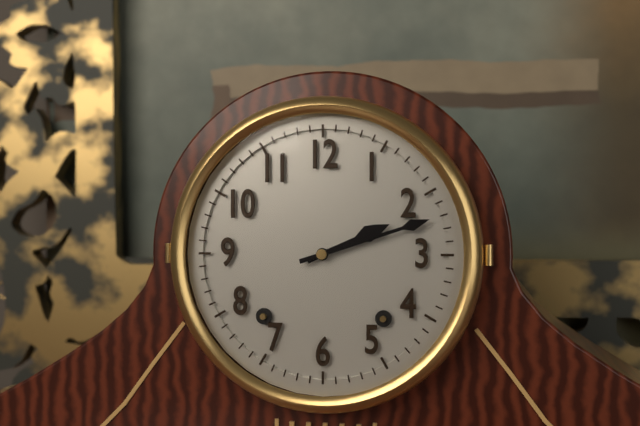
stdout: 2:12
